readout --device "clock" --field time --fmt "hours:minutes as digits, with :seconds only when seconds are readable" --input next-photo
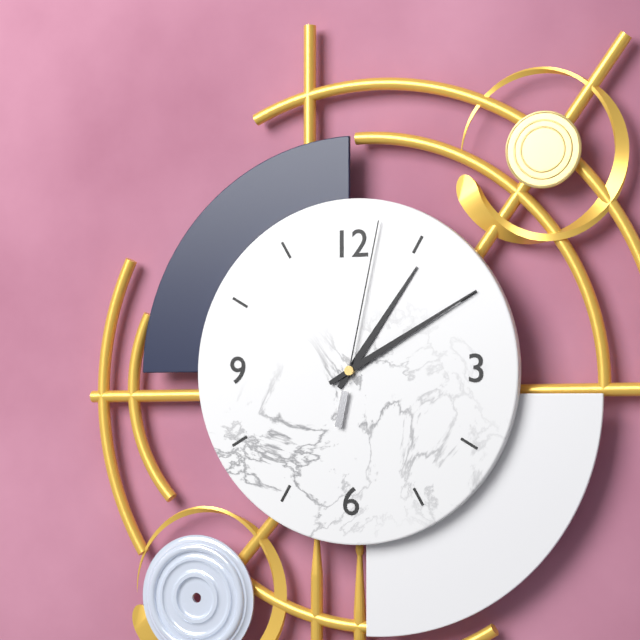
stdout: 1:10:02
